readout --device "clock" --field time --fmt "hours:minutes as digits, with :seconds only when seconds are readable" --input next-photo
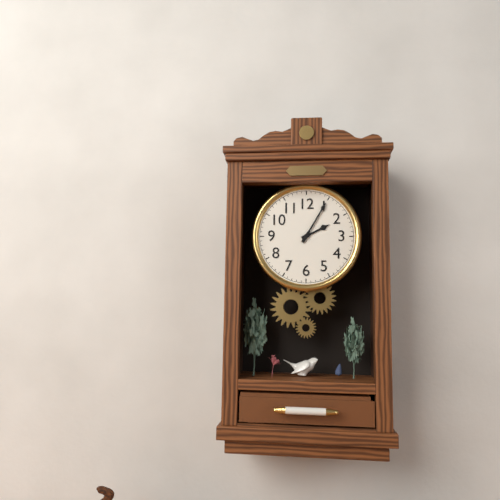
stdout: 2:05
